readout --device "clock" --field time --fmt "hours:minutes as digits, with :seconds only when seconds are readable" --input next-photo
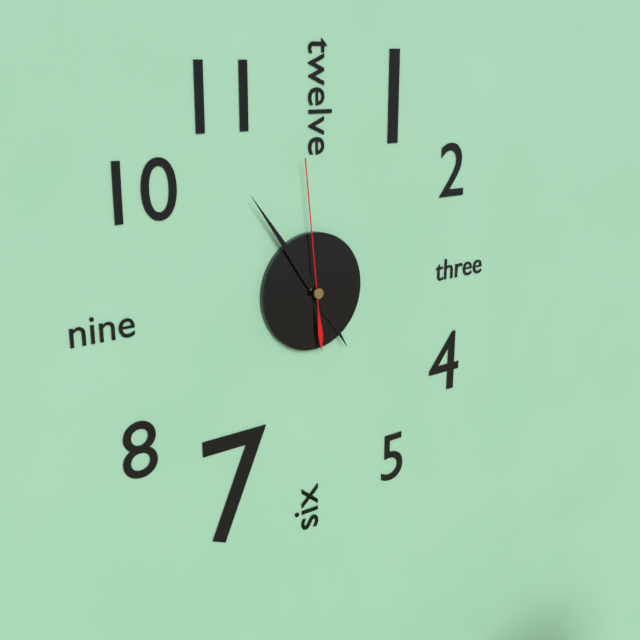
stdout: 4:54:59
